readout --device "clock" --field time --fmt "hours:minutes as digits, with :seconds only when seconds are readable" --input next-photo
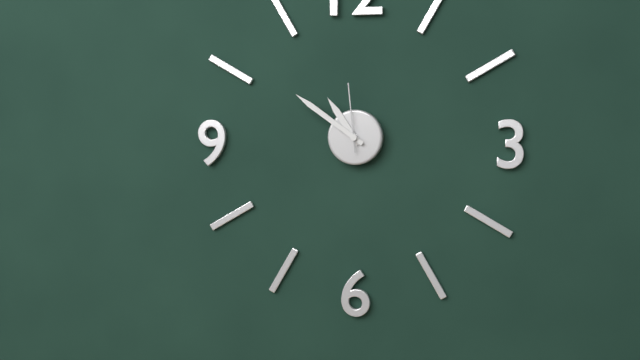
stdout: 10:51:59
